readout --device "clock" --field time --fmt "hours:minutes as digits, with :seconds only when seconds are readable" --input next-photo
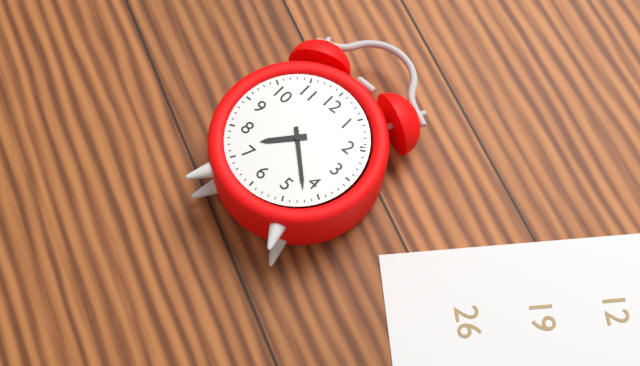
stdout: 7:22
